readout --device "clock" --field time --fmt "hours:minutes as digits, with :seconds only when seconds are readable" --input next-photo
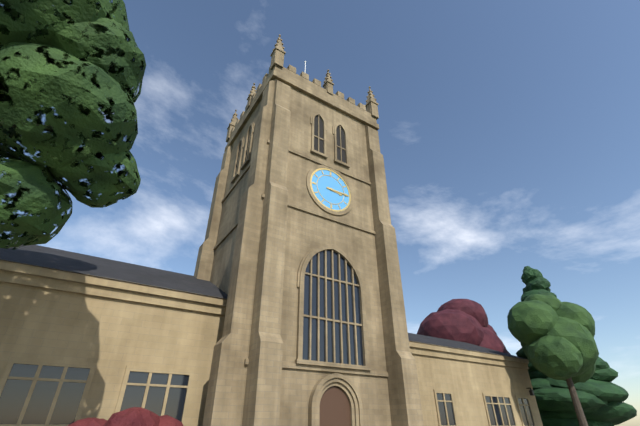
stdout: 3:15
